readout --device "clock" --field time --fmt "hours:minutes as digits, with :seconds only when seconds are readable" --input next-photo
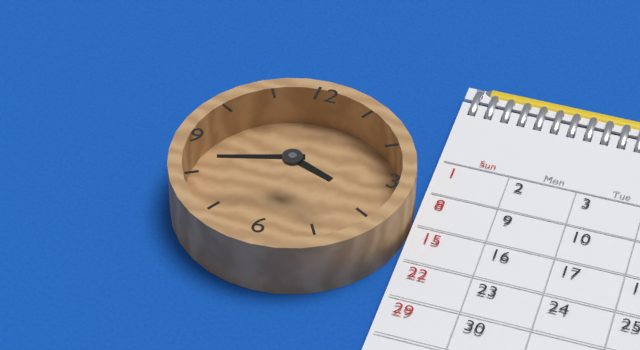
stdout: 3:42
